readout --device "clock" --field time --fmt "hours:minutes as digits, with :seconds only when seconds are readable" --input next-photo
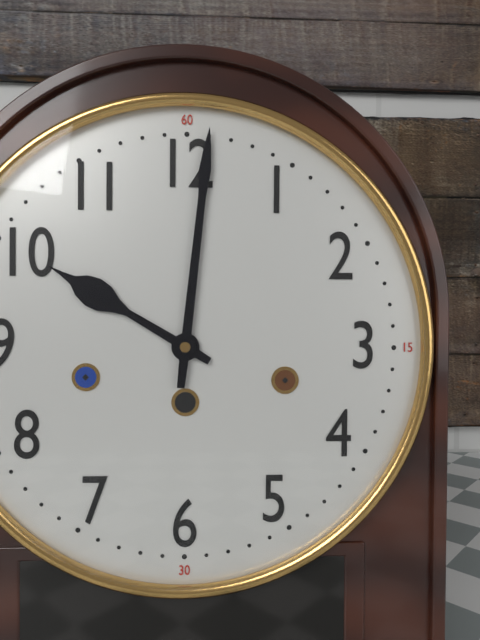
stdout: 10:01
